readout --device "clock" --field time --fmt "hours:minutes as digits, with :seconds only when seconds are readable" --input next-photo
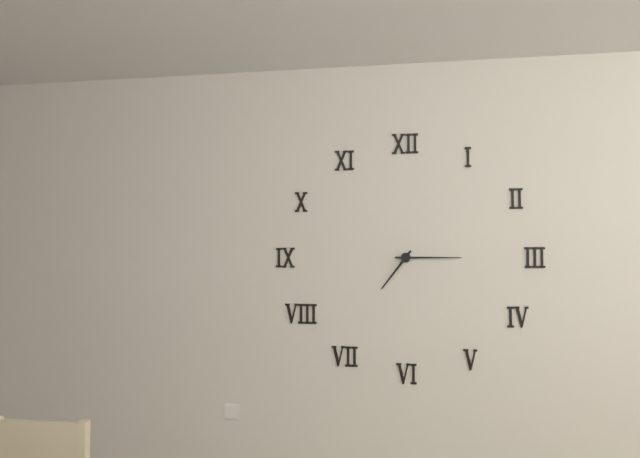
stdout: 7:15
